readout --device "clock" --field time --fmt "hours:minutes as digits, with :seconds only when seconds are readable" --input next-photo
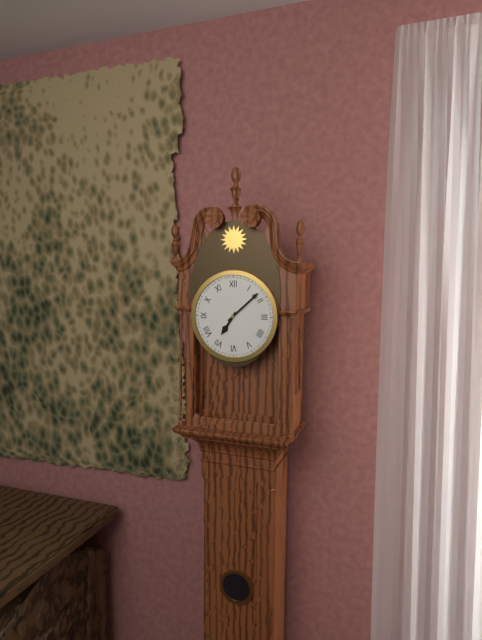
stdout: 7:08
